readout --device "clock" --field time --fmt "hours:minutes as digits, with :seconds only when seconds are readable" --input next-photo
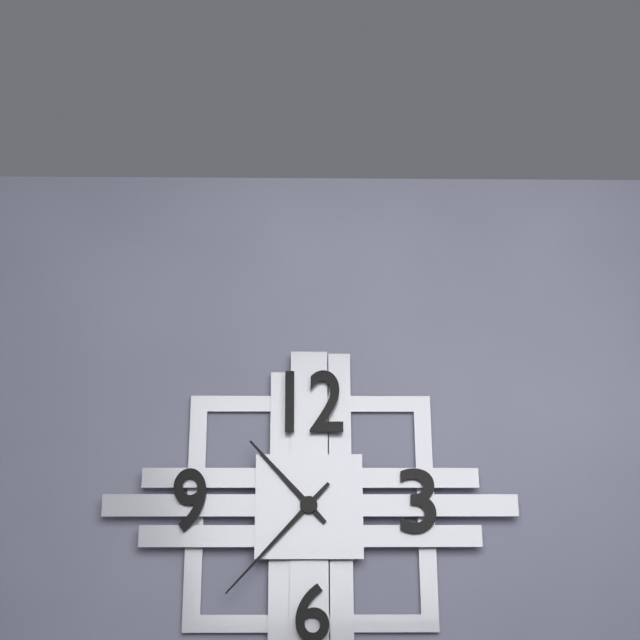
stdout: 10:37
